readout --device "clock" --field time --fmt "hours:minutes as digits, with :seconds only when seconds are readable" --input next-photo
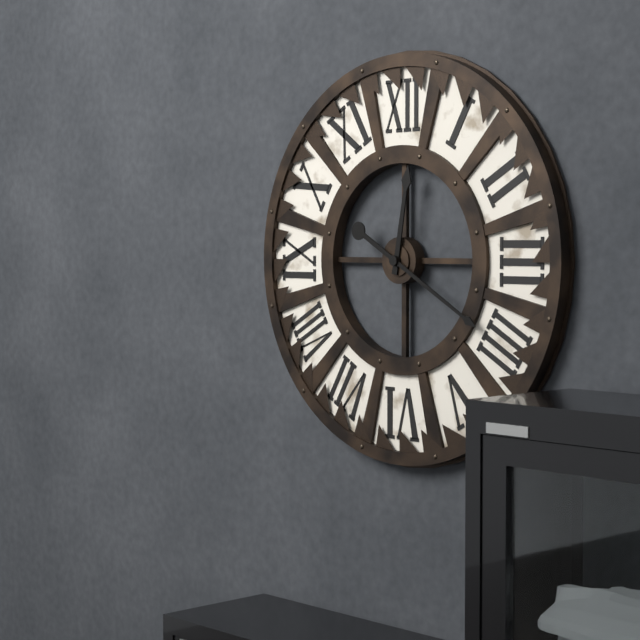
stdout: 12:20
